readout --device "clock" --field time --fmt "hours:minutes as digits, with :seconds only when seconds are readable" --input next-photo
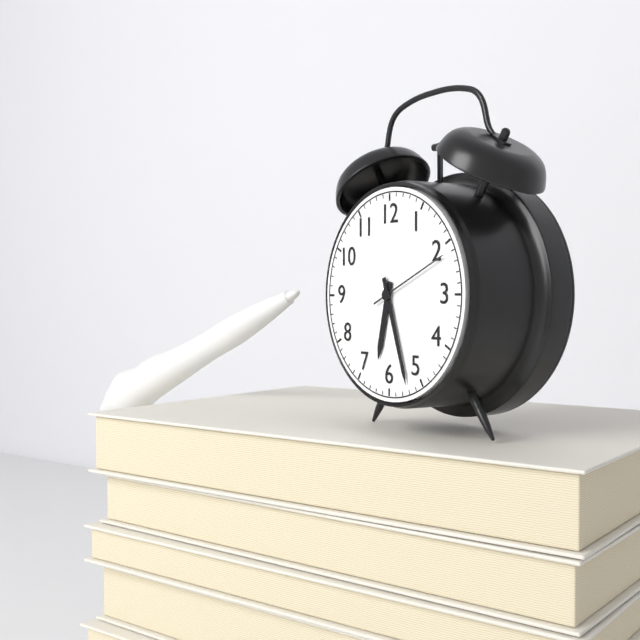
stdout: 6:27:11
